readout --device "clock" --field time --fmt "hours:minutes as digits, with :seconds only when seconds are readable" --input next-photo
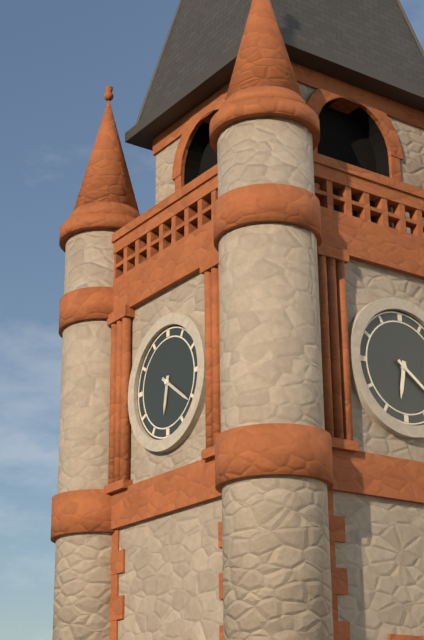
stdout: 6:21
